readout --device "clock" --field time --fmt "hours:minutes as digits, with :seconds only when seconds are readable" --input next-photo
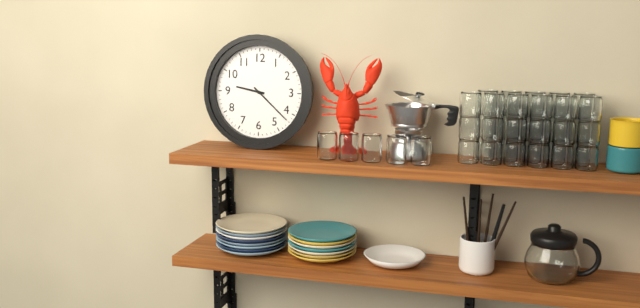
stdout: 9:22
